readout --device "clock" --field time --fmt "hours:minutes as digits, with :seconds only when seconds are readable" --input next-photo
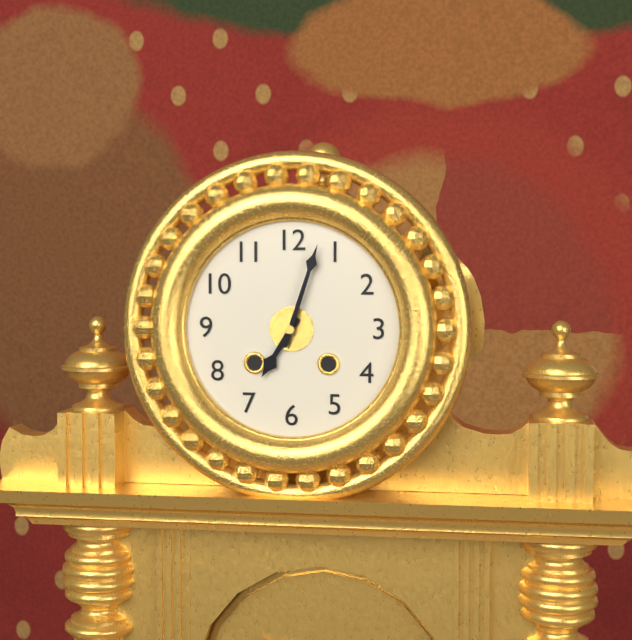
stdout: 7:03
